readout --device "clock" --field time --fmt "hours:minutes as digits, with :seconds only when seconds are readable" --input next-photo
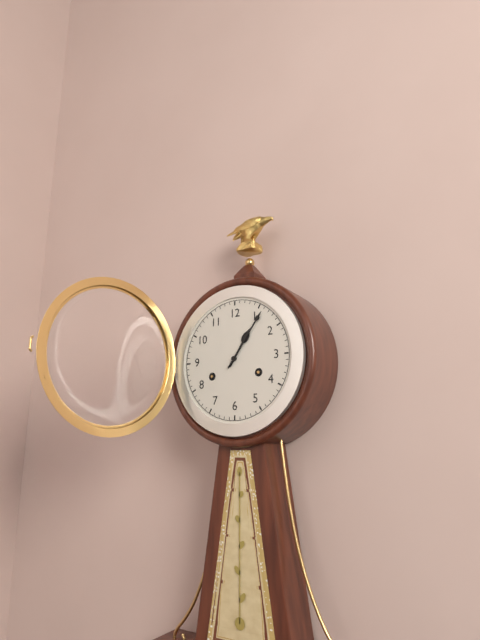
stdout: 1:06
